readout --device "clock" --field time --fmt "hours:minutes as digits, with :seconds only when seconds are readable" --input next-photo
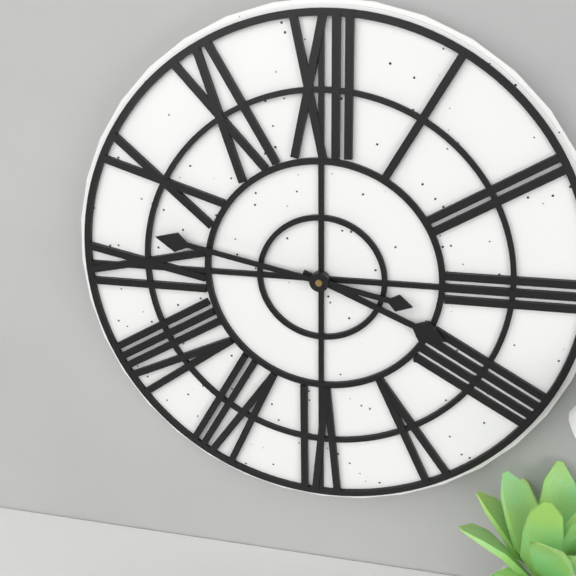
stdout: 3:47
